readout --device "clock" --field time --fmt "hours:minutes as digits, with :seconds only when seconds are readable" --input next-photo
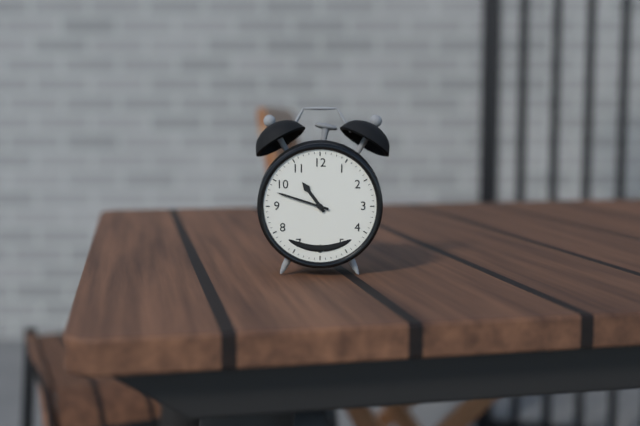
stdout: 10:48
